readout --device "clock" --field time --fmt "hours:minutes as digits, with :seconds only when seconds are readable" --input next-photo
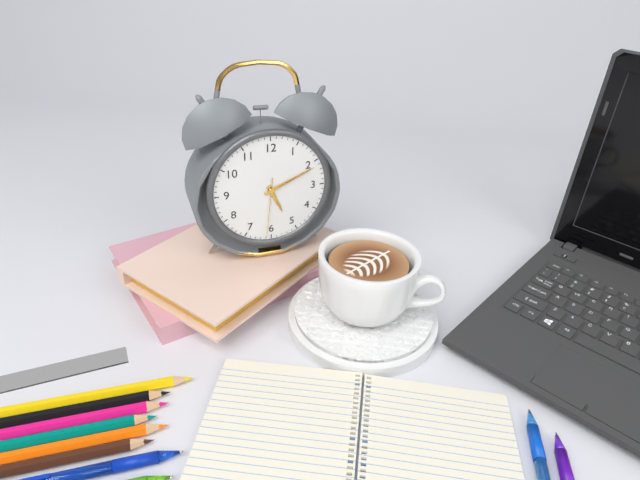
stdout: 5:11:31
